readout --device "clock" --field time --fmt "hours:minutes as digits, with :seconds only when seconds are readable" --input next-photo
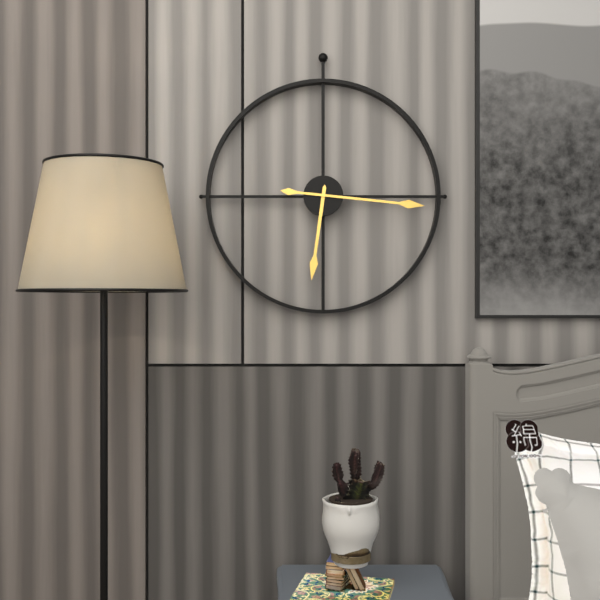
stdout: 6:16
